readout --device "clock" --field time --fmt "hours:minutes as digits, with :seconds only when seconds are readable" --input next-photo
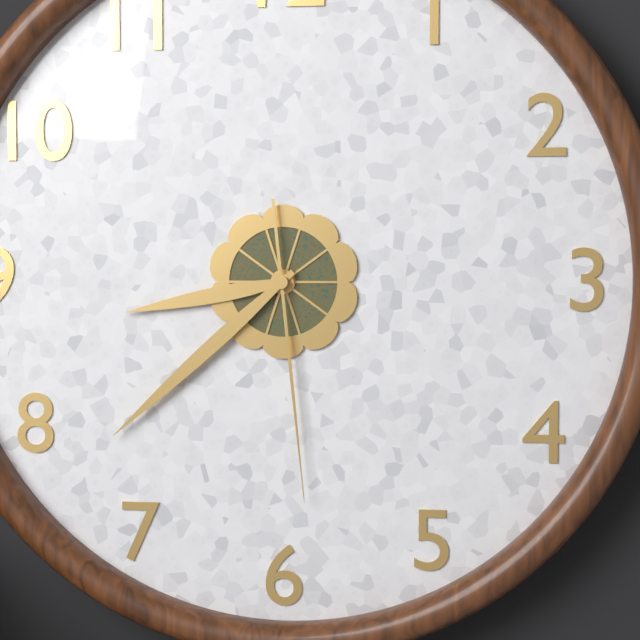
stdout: 8:38:29
